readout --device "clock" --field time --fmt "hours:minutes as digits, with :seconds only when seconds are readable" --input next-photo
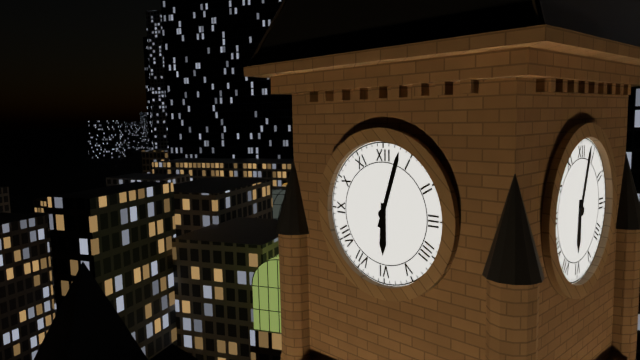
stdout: 6:03
